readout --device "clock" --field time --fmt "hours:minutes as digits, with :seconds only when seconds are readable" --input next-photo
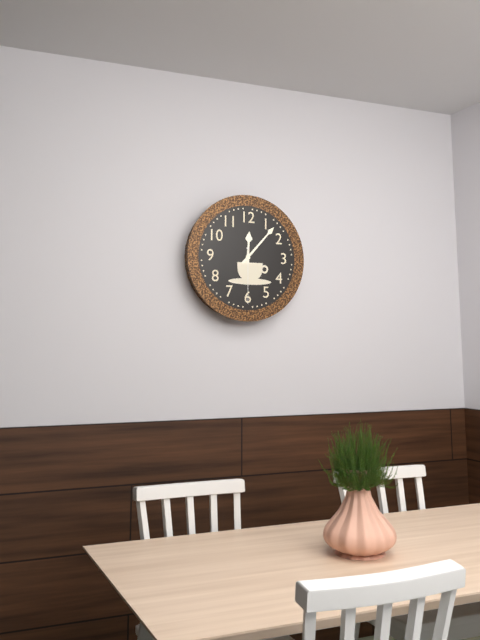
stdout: 12:07:30
